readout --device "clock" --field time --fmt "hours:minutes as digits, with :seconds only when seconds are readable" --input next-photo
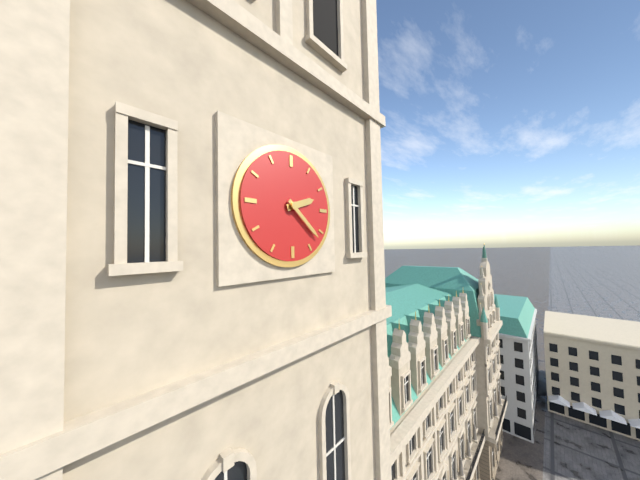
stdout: 2:22
